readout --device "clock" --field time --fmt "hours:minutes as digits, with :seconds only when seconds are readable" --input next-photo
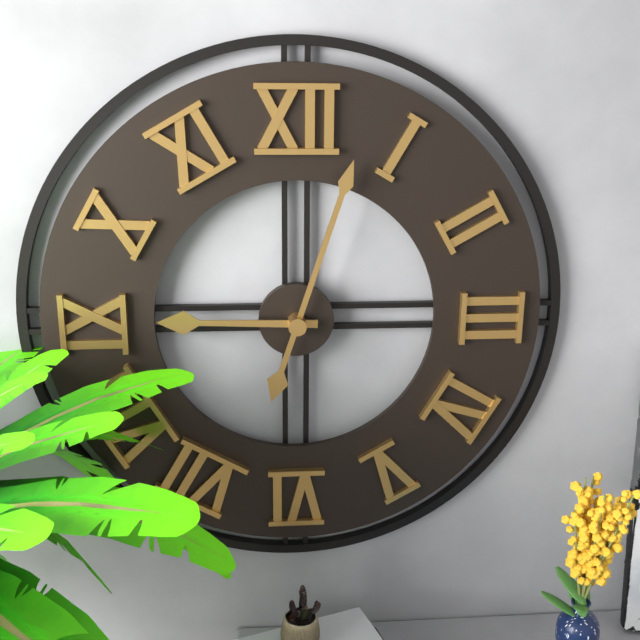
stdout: 9:03
